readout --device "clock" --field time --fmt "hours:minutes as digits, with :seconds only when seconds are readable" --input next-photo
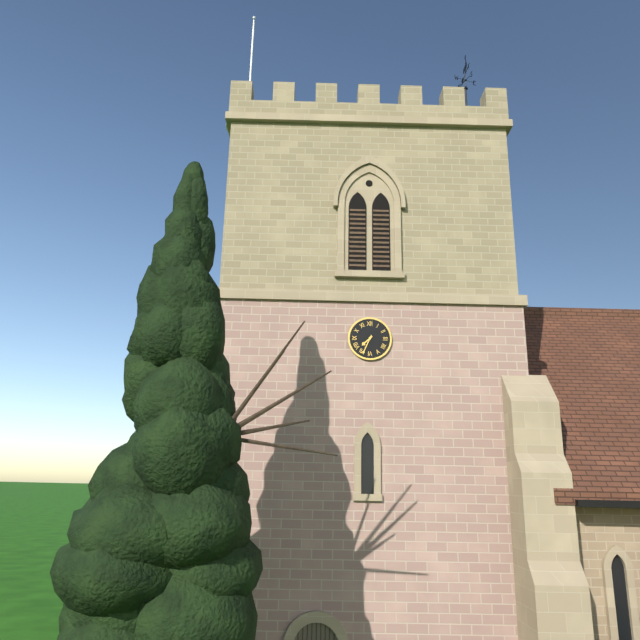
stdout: 7:34
